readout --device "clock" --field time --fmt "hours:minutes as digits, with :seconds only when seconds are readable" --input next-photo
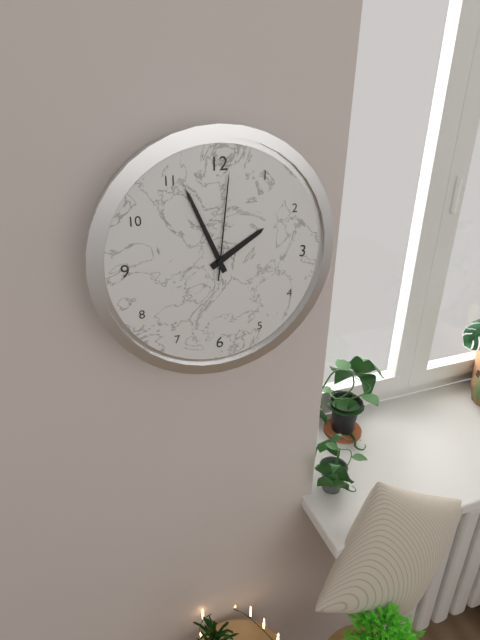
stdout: 1:56:01
